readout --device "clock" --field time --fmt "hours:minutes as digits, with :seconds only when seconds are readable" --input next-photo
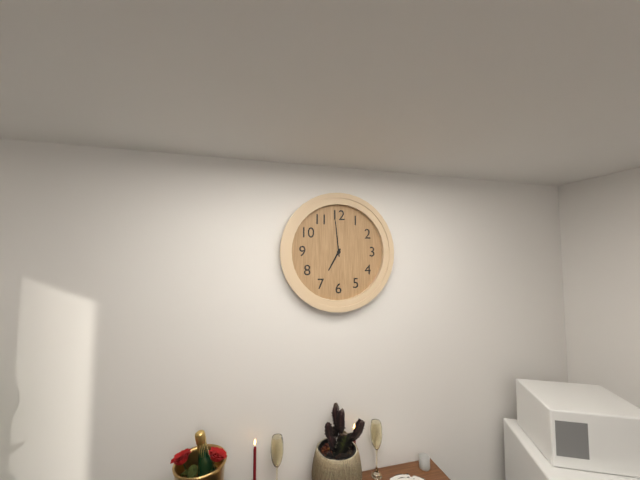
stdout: 6:59
